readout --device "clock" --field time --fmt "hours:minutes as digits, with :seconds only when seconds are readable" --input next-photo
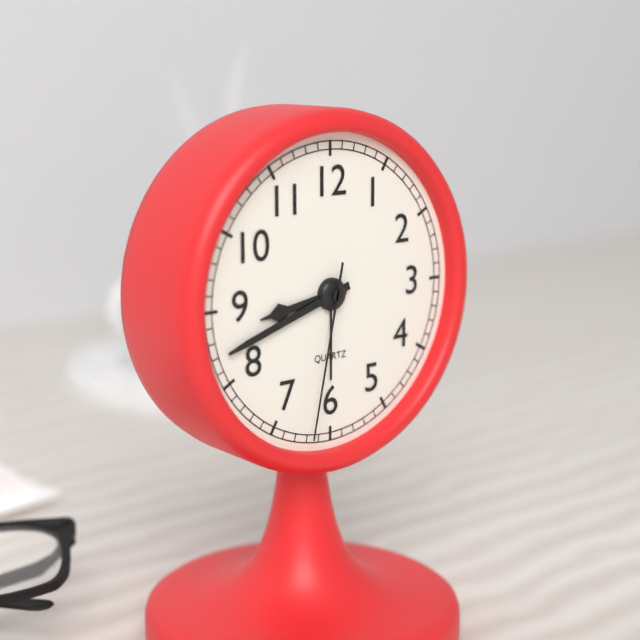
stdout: 8:42:32
